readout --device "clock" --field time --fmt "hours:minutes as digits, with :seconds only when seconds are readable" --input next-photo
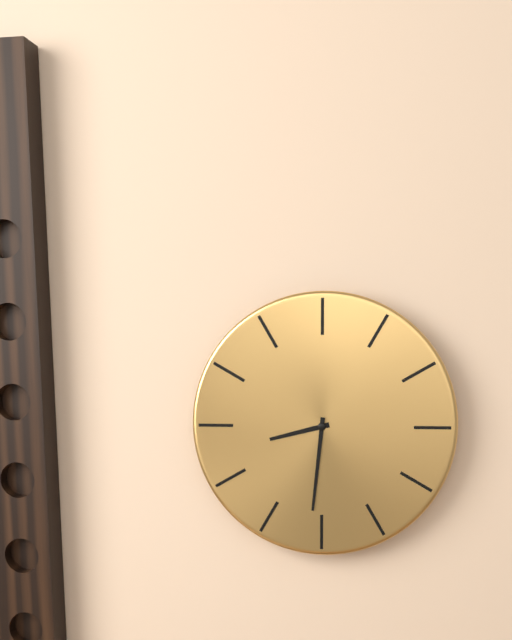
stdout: 8:31
